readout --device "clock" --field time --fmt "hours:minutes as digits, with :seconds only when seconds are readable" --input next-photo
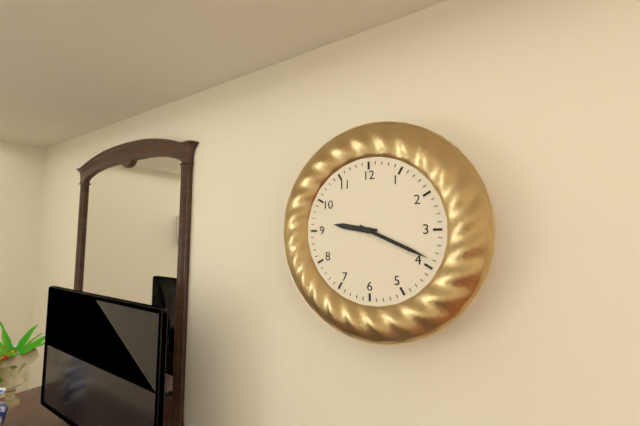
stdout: 9:19
